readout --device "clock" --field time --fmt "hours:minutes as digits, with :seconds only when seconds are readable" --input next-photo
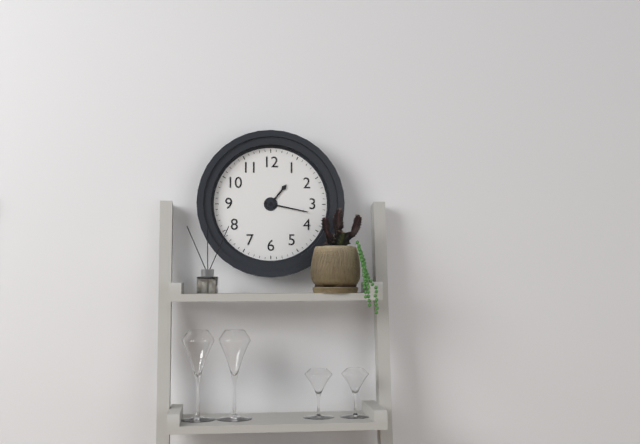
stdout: 1:17
